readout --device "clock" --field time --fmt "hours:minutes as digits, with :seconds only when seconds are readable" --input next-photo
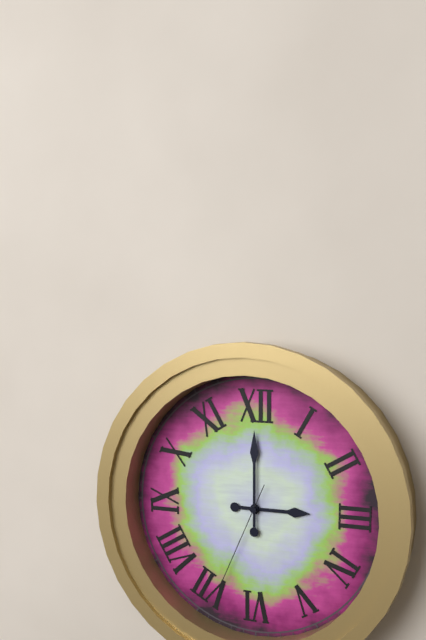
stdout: 3:00:34
